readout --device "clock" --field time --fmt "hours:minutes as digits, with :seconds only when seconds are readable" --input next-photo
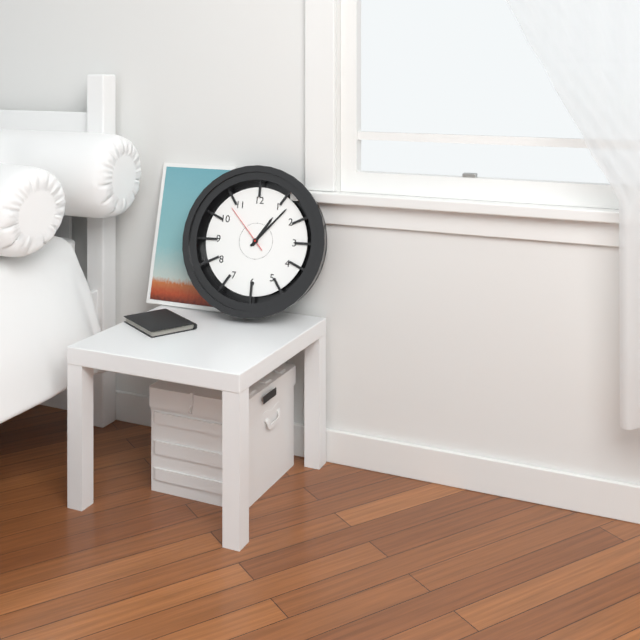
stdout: 1:07:53
